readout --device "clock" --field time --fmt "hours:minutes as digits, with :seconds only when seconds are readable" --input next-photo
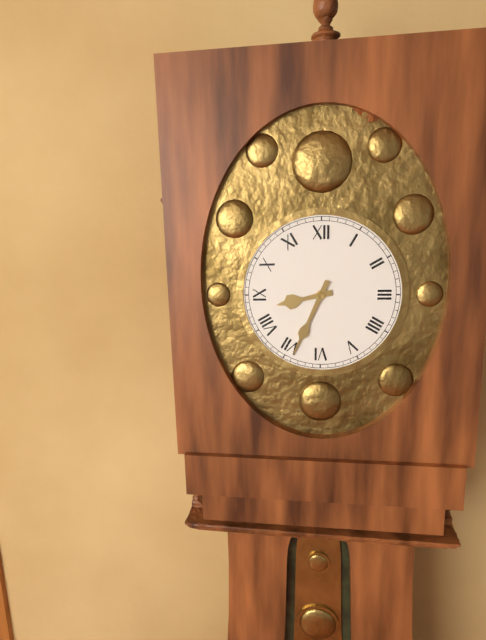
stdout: 8:34
